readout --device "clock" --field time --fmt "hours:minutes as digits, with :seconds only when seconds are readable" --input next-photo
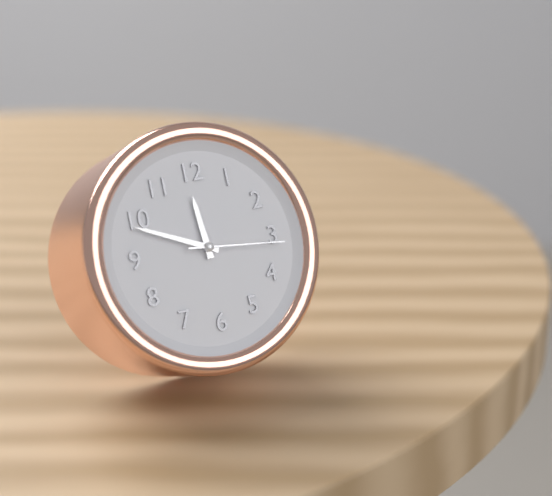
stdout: 11:49:16
